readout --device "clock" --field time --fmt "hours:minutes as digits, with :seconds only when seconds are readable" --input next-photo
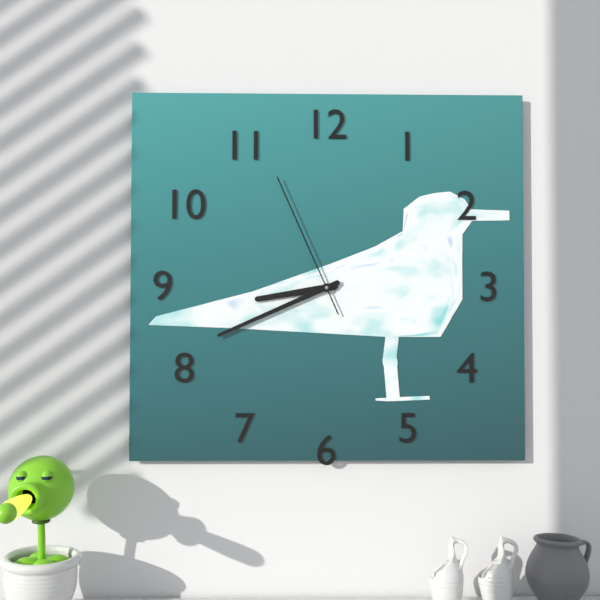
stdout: 8:41:56
